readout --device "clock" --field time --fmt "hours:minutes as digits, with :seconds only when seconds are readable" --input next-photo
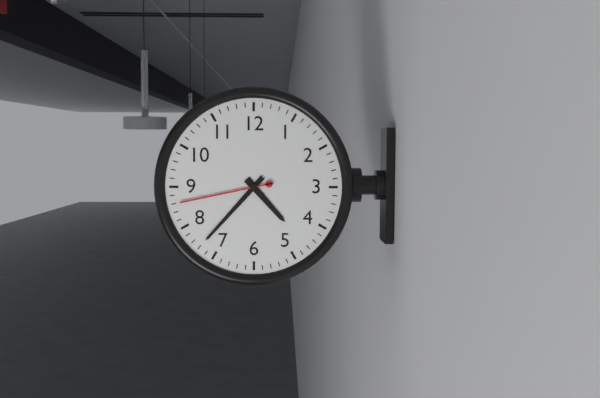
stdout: 4:37:43
